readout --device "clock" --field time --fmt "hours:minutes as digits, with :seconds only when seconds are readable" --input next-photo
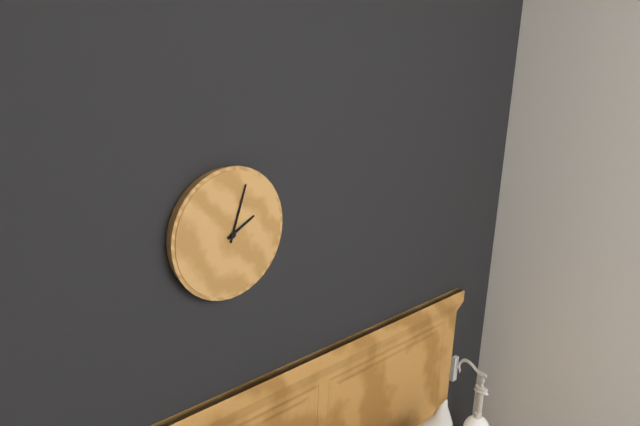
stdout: 2:03
